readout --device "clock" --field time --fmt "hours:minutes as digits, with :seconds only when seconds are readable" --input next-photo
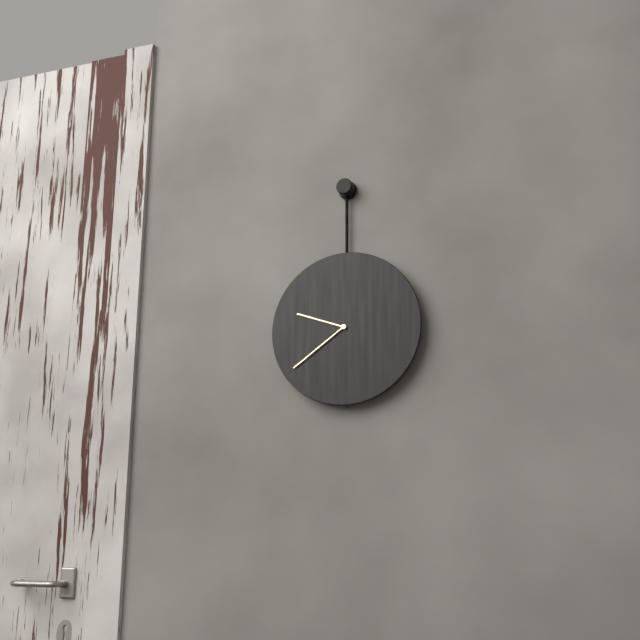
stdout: 9:39
